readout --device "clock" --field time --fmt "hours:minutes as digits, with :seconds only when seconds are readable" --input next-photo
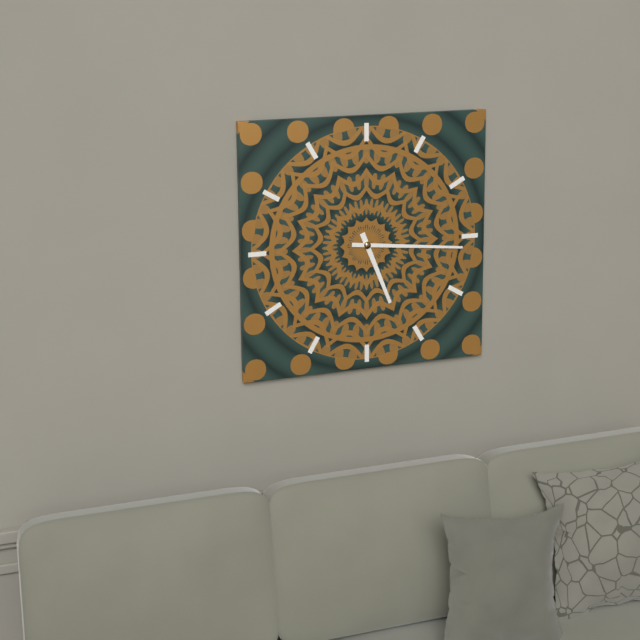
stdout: 5:16
